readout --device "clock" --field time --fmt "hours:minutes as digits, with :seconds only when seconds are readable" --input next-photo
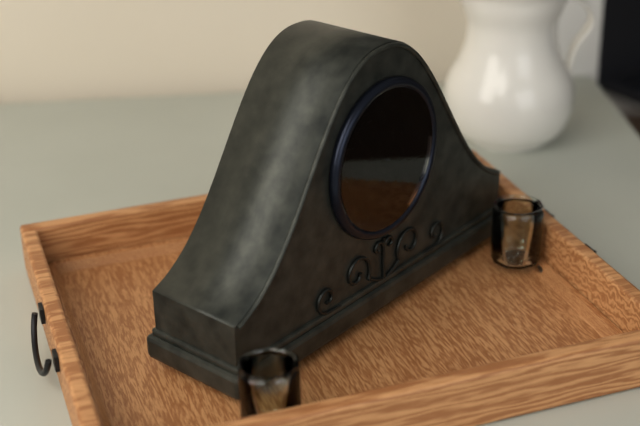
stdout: 9:15
